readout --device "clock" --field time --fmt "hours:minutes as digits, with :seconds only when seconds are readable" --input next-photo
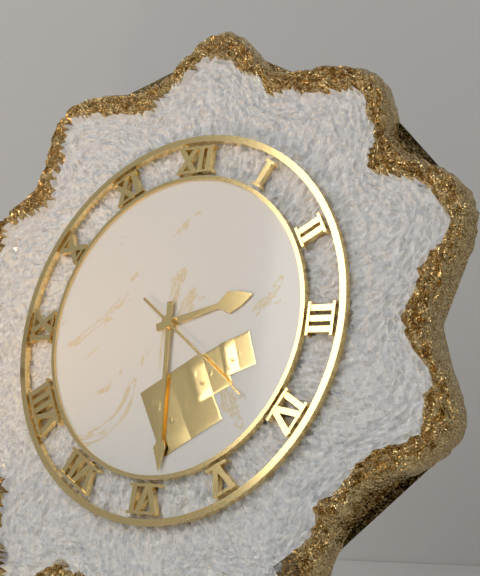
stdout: 2:29:21
